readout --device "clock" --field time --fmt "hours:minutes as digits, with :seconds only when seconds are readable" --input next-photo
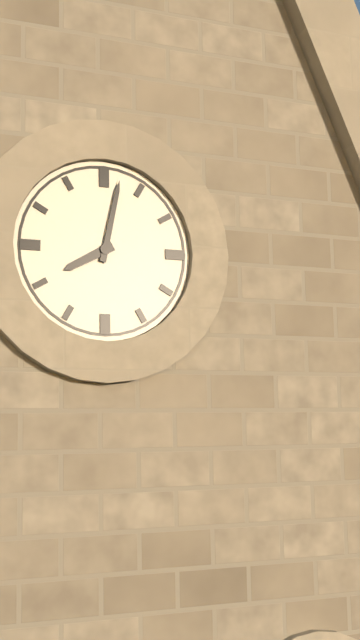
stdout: 8:02
